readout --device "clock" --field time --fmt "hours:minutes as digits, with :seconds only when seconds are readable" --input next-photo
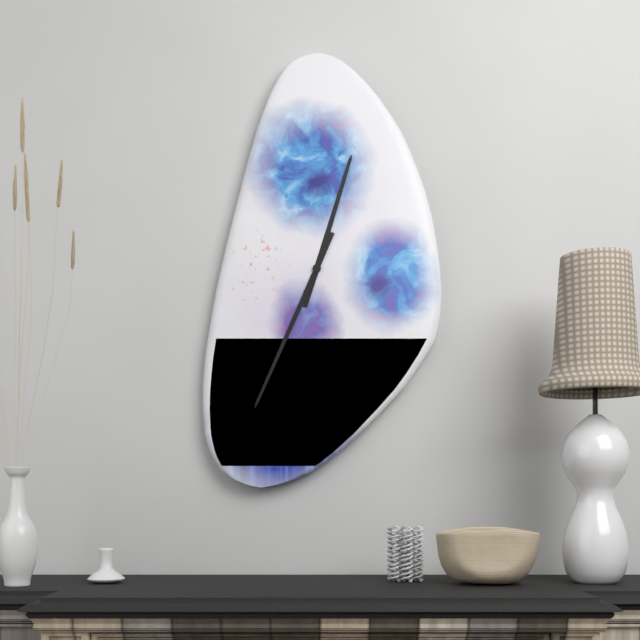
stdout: 12:34
